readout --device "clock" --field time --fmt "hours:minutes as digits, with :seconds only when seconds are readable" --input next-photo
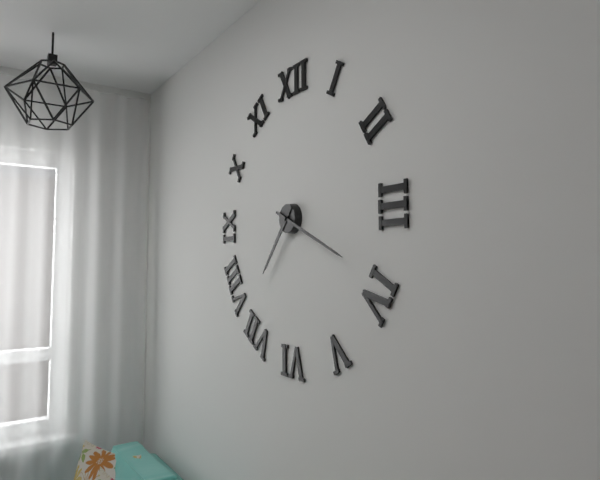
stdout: 7:19
